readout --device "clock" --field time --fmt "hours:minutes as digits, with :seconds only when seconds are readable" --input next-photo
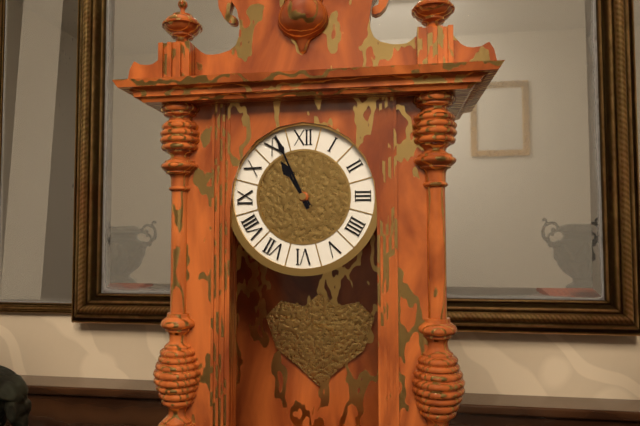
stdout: 10:56
